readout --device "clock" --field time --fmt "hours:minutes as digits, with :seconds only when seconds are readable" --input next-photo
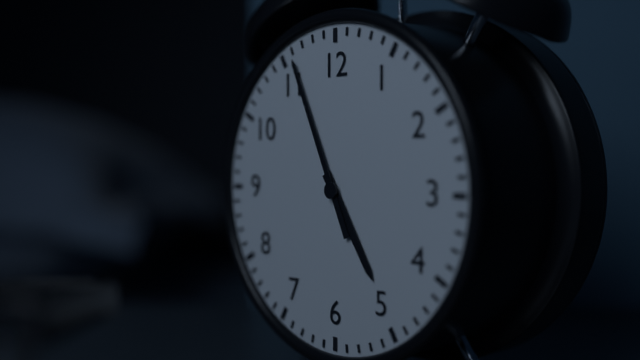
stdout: 4:56
